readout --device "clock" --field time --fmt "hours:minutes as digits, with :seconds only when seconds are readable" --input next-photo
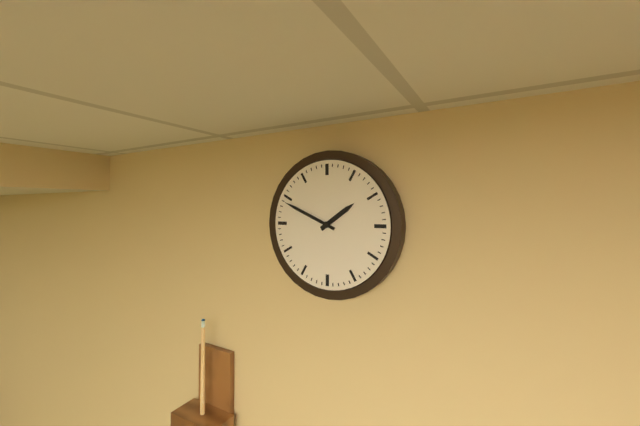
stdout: 1:49
